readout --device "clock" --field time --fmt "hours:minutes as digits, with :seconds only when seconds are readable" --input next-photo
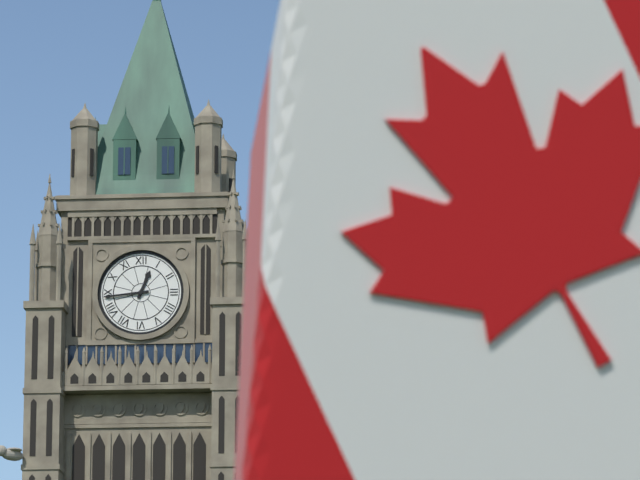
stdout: 12:44
